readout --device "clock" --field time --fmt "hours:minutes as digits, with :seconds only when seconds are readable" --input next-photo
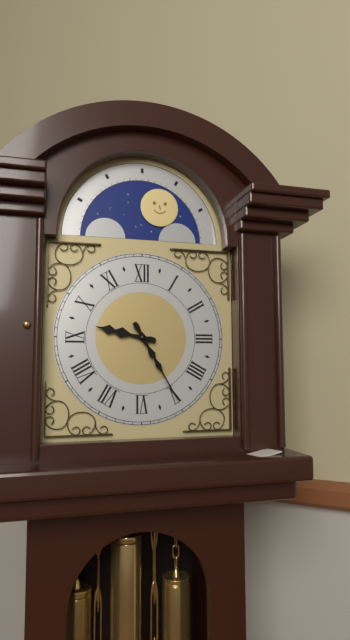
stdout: 9:25
